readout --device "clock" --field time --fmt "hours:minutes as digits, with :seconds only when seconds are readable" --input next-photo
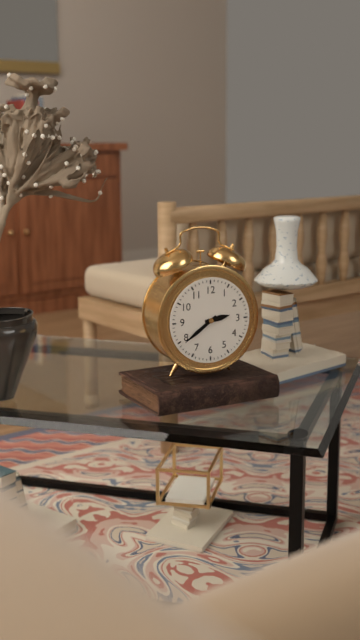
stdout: 2:39
